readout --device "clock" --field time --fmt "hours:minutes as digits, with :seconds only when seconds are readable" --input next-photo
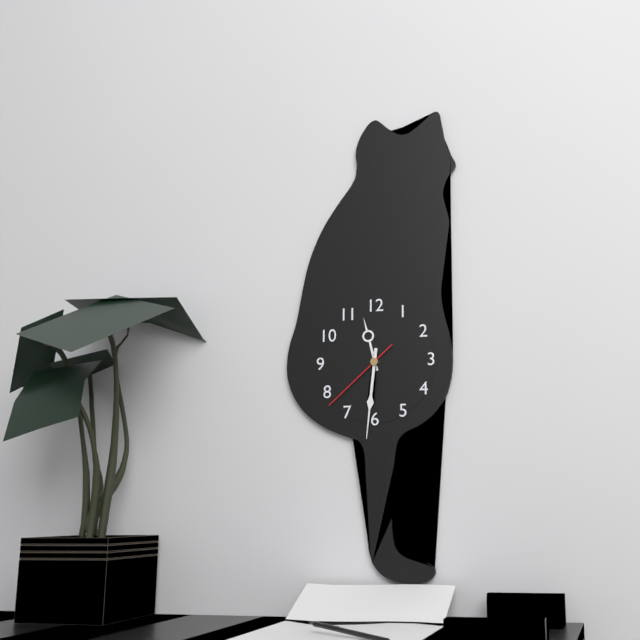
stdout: 11:31:38
